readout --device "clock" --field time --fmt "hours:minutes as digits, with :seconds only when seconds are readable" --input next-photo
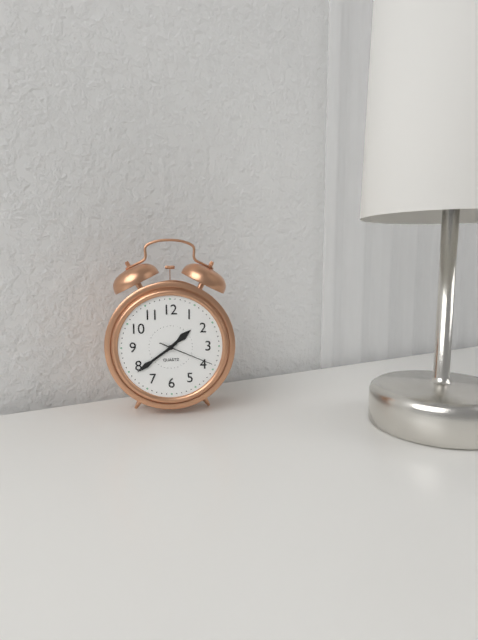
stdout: 1:39:19
